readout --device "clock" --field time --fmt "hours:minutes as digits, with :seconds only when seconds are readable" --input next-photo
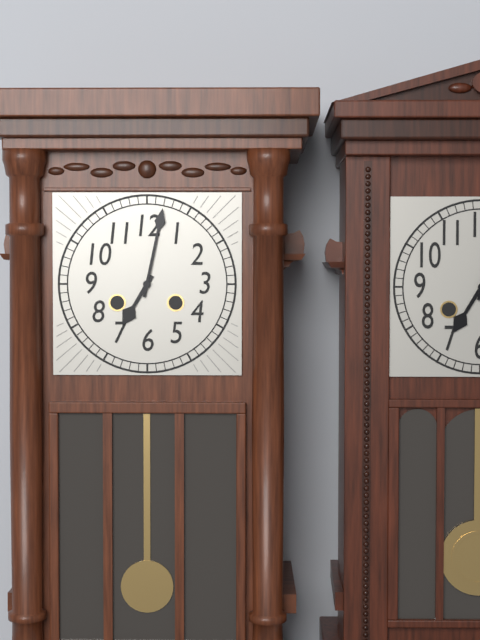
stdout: 7:02
